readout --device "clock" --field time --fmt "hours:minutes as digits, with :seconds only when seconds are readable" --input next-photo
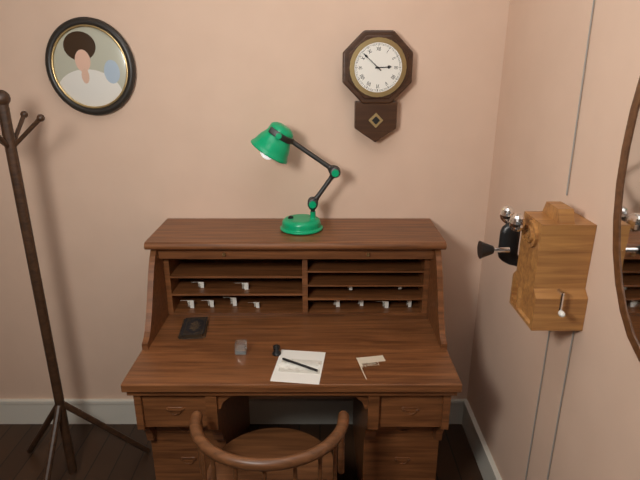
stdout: 2:52
